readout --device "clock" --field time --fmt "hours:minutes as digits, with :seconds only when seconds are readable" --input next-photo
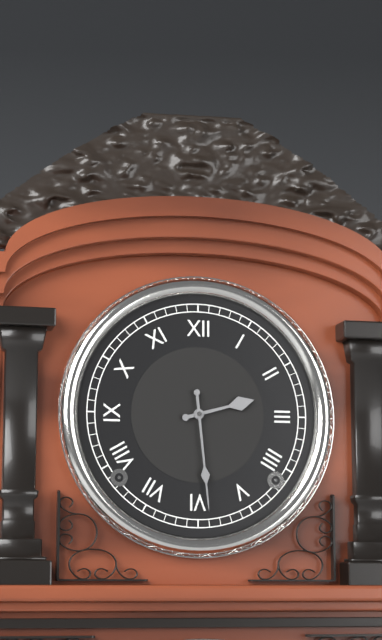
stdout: 2:29
